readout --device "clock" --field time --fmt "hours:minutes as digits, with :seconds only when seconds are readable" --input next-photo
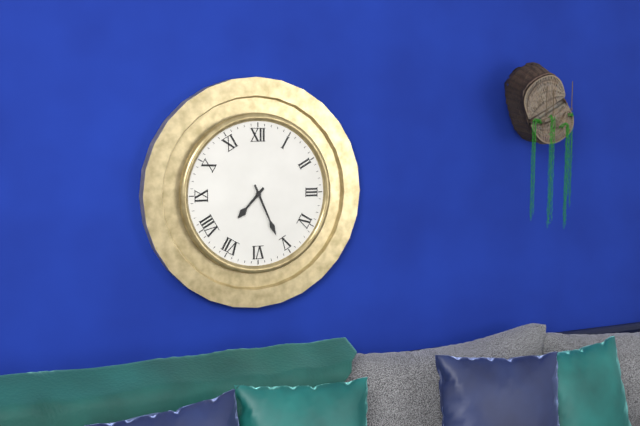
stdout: 7:26
